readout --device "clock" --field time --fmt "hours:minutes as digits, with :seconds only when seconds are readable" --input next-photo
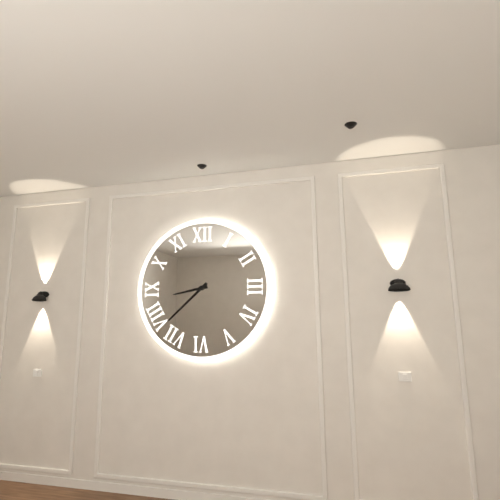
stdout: 8:38
